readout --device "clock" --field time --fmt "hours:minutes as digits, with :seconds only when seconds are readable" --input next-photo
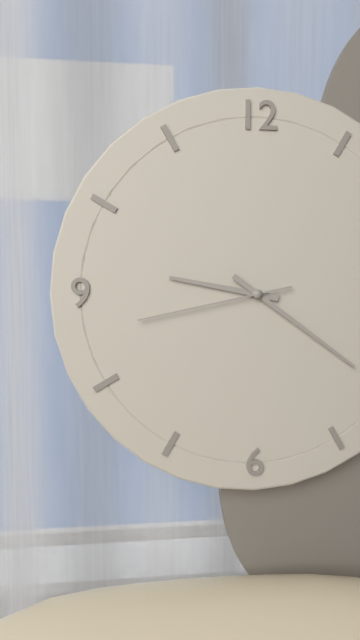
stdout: 9:21:43
